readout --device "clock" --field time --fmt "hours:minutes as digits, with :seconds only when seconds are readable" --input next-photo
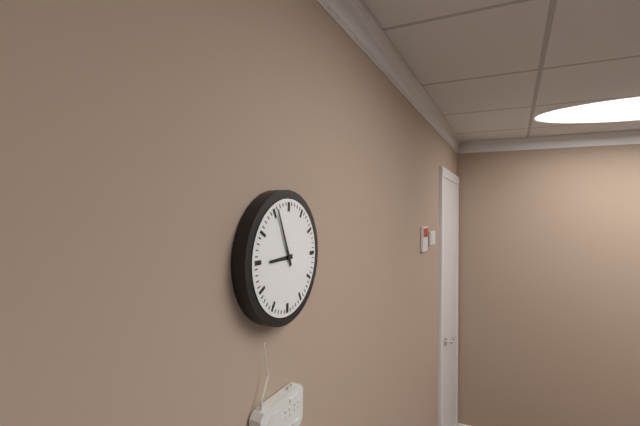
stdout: 8:56
